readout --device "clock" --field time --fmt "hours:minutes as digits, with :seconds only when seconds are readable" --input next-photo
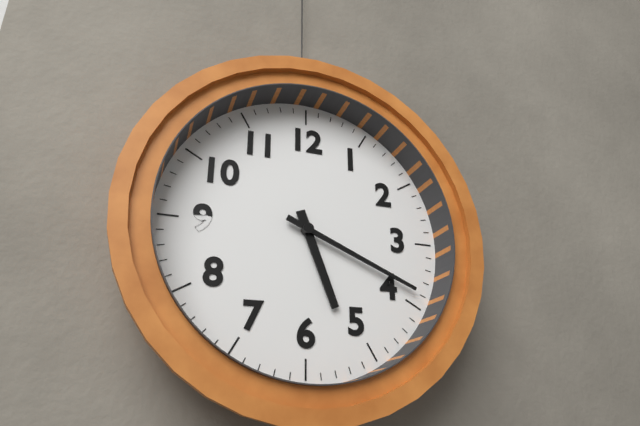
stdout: 5:19
